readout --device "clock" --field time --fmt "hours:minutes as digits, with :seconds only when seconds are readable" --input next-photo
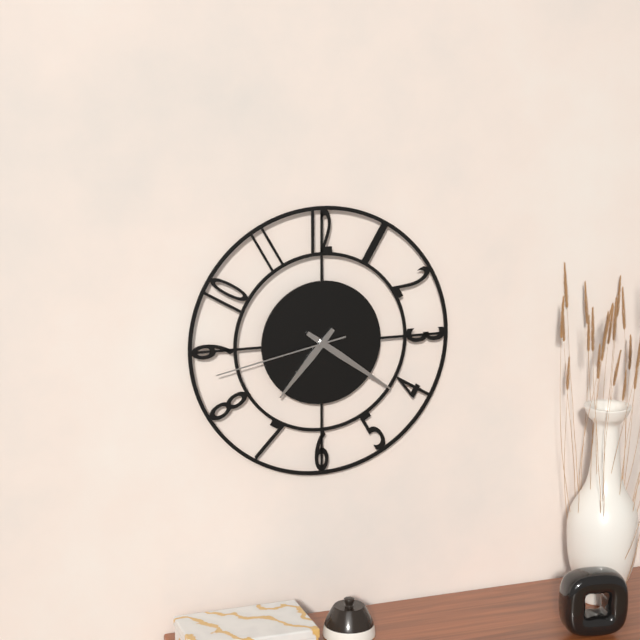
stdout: 7:21:43
